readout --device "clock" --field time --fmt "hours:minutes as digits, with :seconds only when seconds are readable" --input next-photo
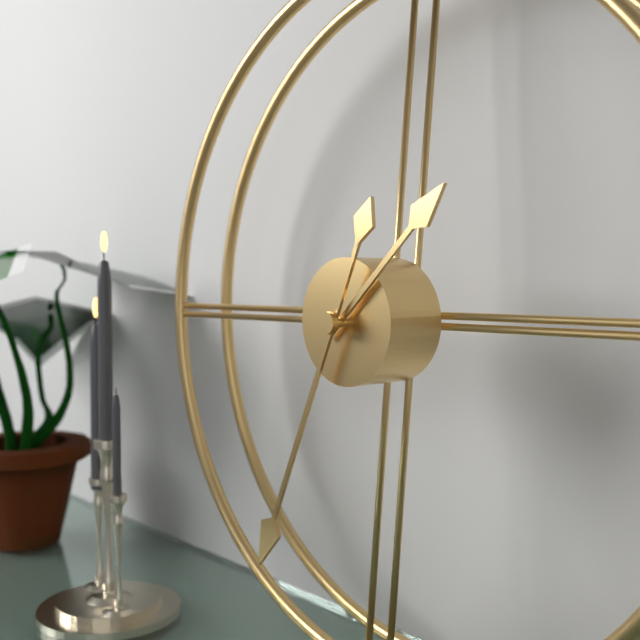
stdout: 1:34
